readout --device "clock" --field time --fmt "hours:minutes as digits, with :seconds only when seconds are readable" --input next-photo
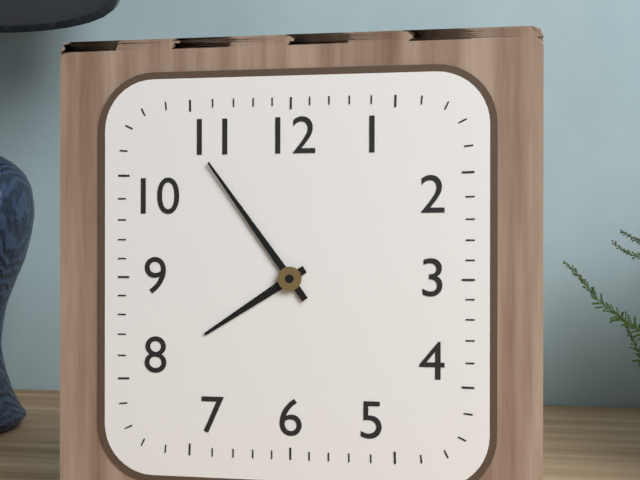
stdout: 7:54
